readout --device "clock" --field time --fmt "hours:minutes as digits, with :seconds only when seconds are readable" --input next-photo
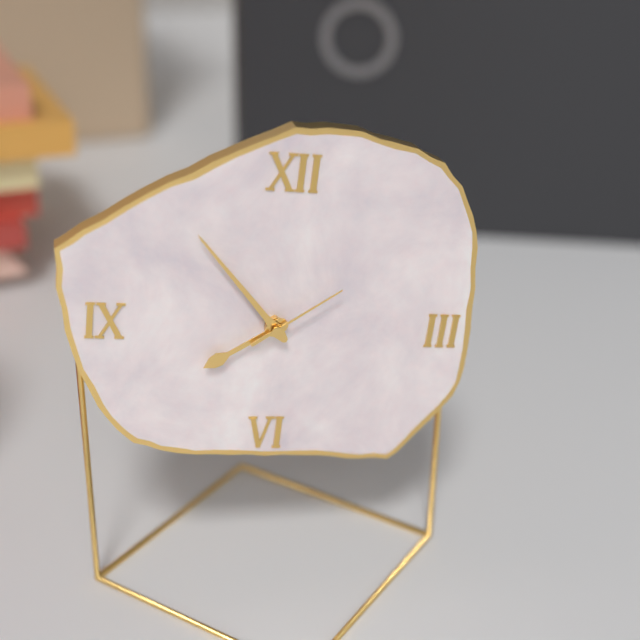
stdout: 7:53:09
